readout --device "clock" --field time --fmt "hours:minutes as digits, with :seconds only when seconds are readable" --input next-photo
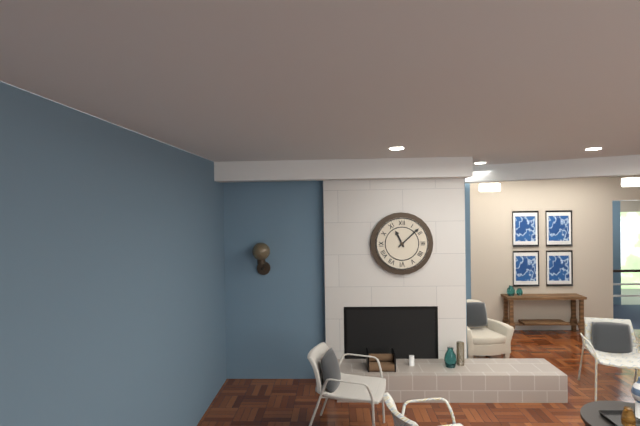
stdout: 11:08
